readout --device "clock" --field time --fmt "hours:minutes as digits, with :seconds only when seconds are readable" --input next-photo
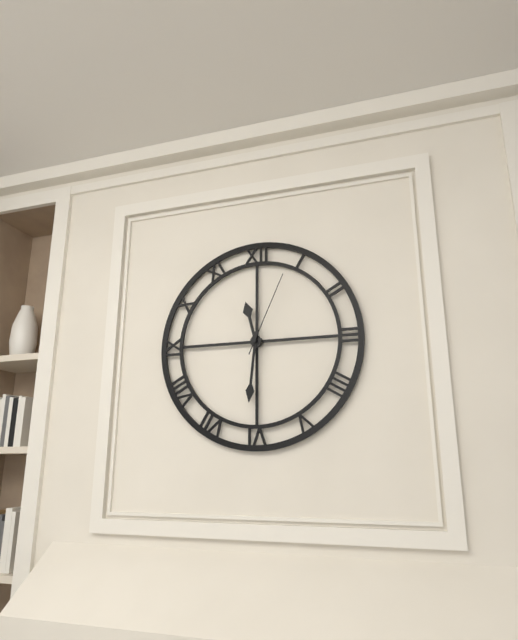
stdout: 11:31:04
